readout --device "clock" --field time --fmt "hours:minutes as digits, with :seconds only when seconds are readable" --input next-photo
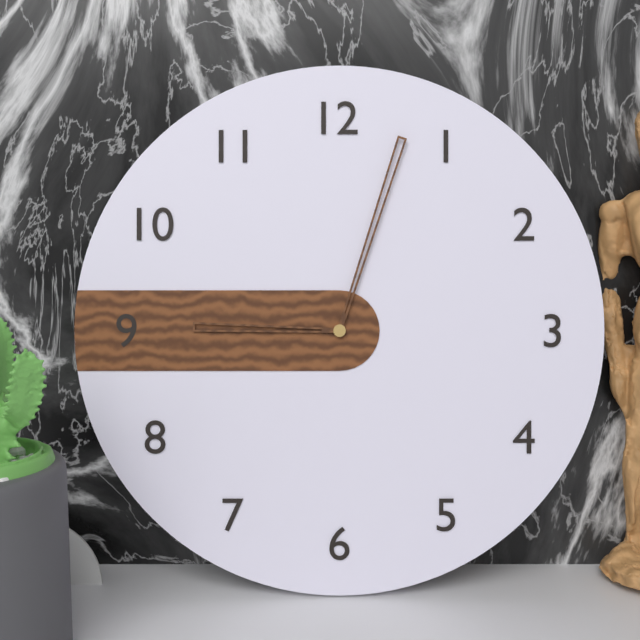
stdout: 9:03
